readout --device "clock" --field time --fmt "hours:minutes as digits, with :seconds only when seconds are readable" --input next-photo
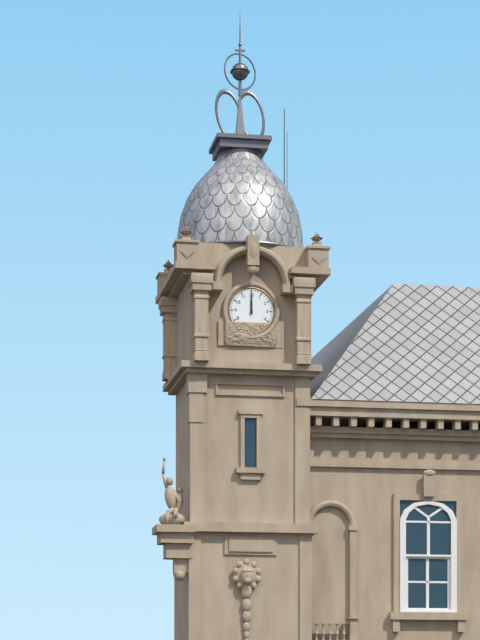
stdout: 12:00
